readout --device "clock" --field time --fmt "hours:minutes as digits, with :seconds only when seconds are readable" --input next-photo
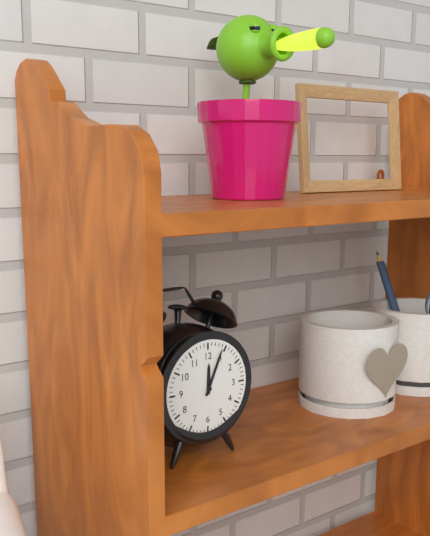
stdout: 12:04
